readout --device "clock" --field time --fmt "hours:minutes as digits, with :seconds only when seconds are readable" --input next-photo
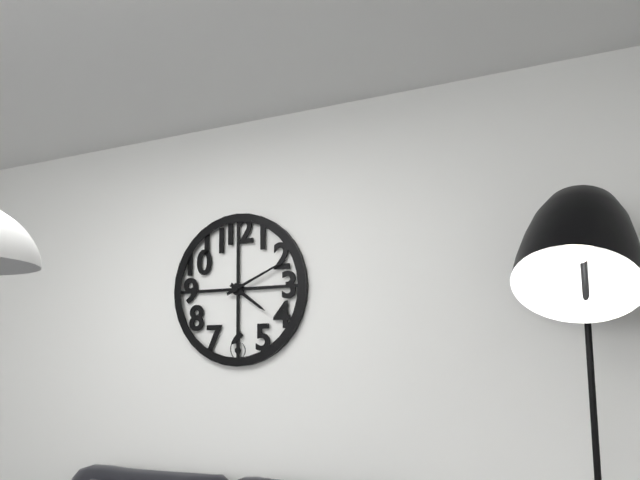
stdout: 4:11
